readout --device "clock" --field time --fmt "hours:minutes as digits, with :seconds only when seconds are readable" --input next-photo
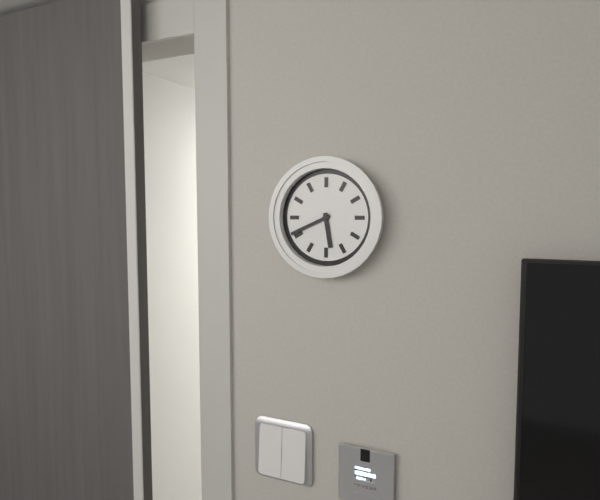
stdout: 5:41
